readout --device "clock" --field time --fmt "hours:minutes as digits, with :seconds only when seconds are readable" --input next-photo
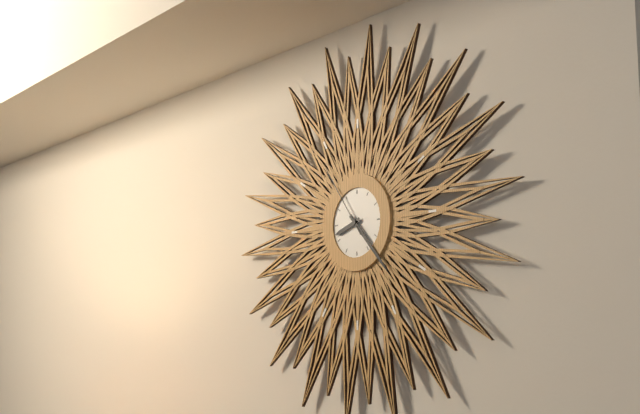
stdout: 8:23:54
